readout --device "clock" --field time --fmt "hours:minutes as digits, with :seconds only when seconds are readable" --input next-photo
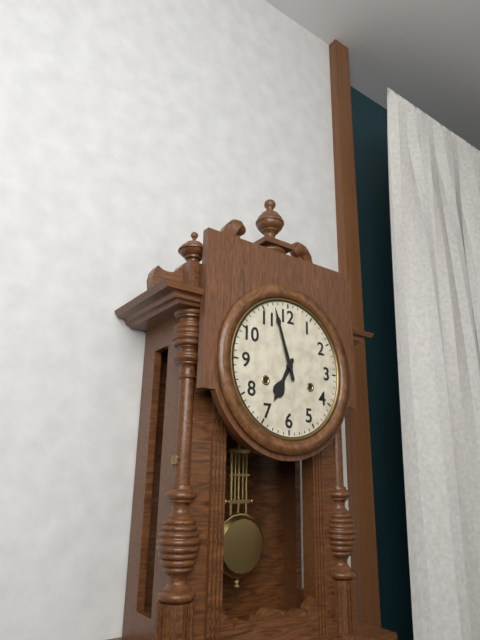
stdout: 6:57
